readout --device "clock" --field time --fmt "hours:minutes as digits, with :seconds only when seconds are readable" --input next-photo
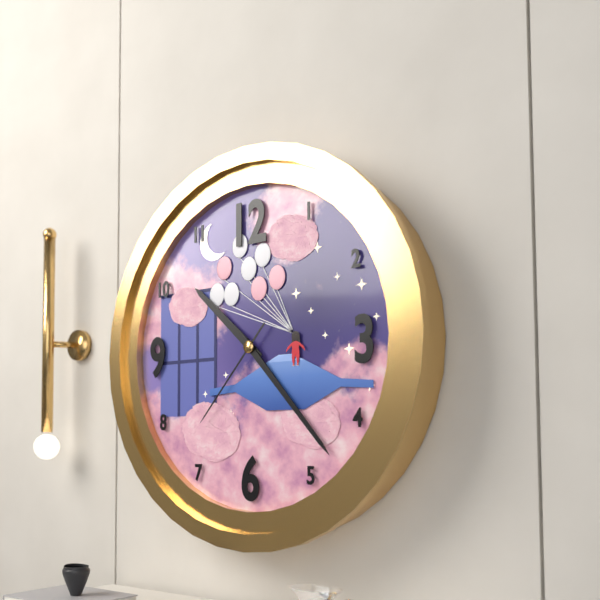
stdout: 10:23:37
